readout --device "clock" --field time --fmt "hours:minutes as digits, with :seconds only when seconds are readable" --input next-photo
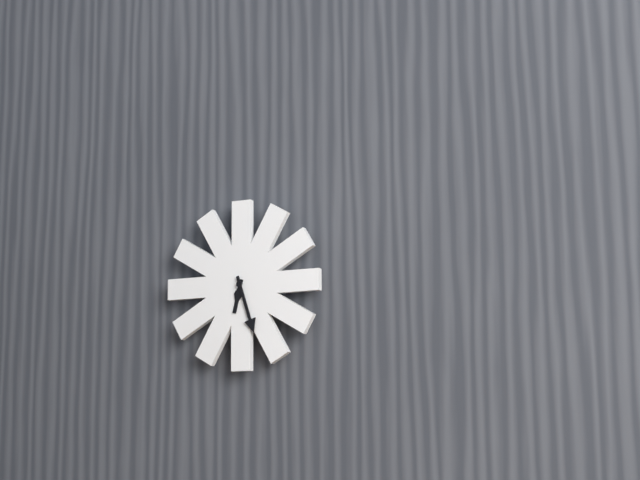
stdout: 6:27
